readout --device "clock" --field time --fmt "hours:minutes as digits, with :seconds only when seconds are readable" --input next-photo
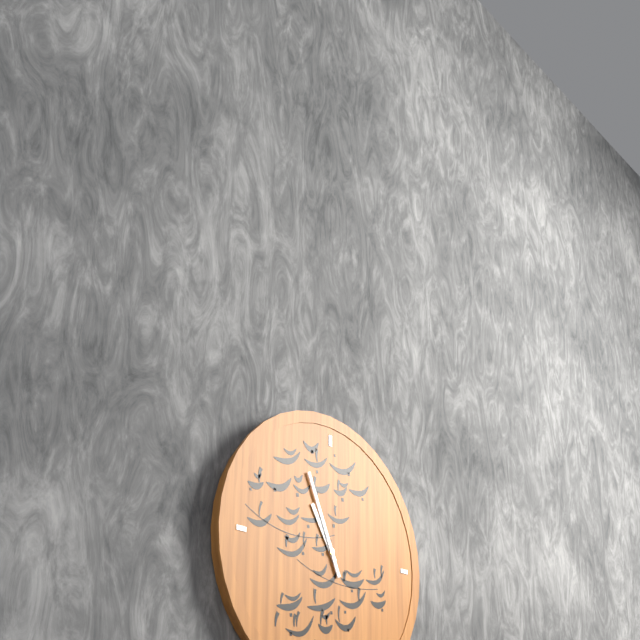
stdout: 10:56
